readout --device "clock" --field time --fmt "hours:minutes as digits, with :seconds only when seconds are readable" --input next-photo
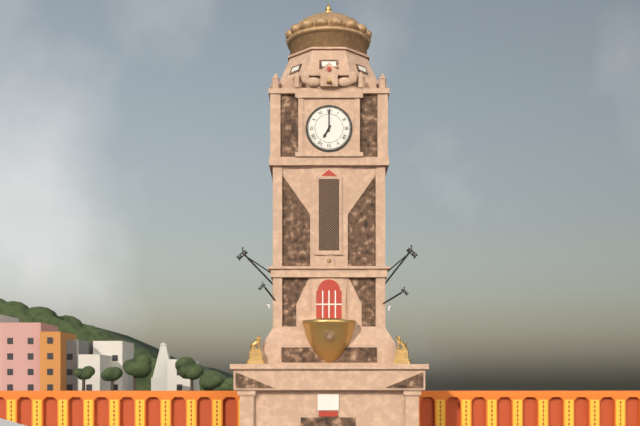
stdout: 7:00
